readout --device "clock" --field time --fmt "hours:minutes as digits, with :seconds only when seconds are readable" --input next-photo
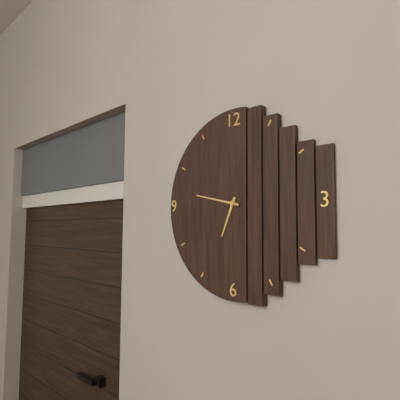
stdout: 6:47
